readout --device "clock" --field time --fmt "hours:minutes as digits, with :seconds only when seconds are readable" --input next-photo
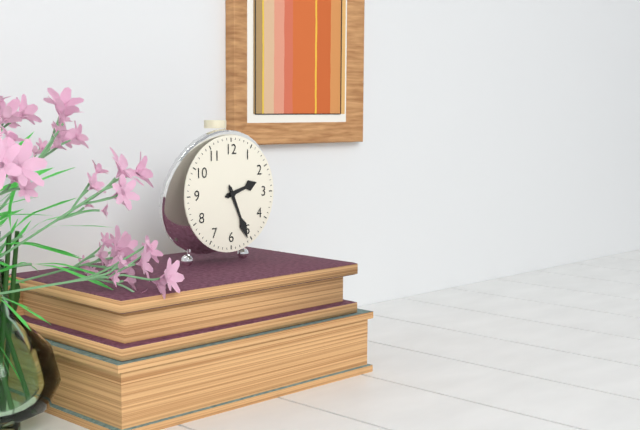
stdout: 2:26
